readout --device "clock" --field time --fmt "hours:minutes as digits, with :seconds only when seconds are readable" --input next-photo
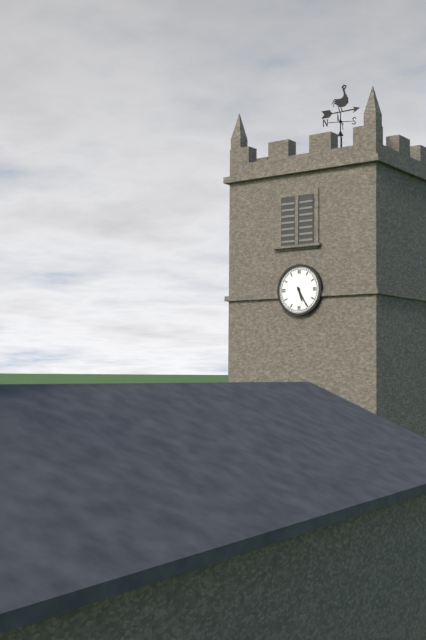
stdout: 5:25
